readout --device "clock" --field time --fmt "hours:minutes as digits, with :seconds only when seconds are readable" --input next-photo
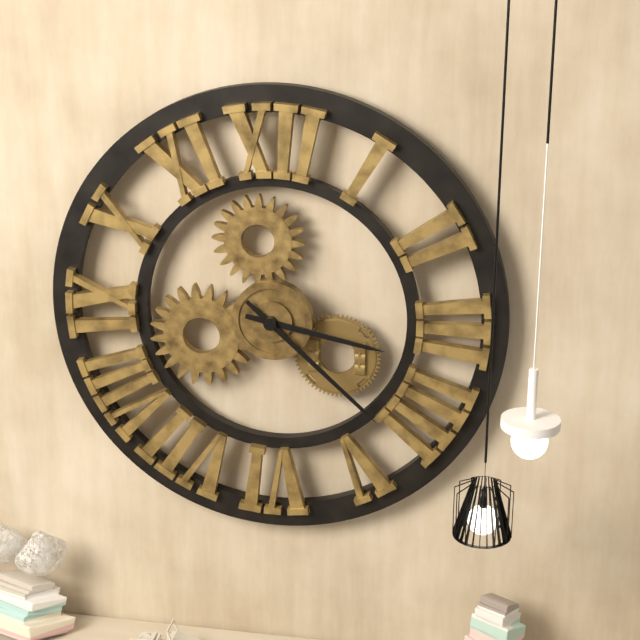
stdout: 3:22
